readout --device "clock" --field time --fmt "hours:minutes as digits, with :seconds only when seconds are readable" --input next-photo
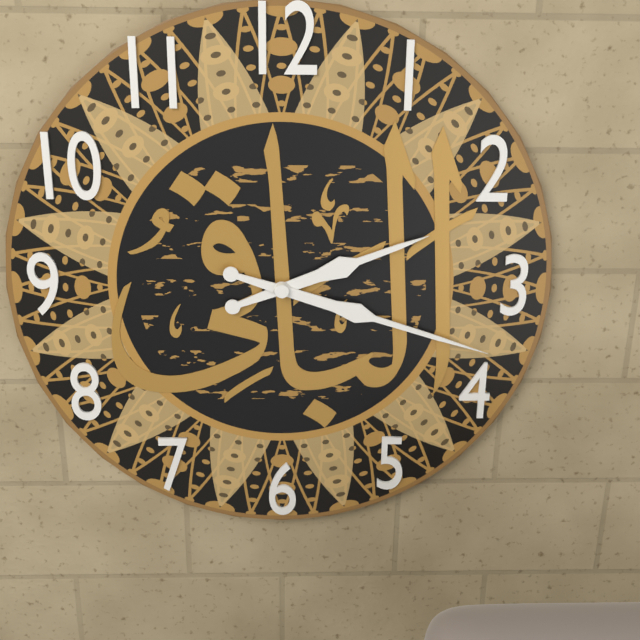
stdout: 2:18
